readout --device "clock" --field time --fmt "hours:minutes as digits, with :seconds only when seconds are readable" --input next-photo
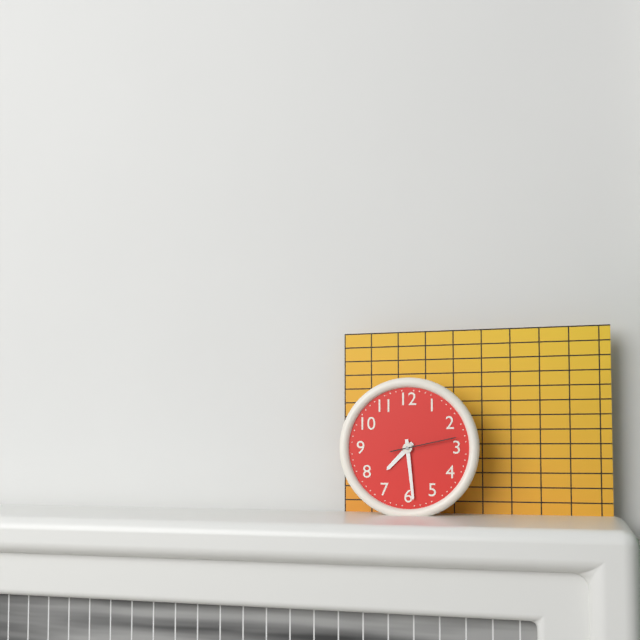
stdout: 7:29:13
